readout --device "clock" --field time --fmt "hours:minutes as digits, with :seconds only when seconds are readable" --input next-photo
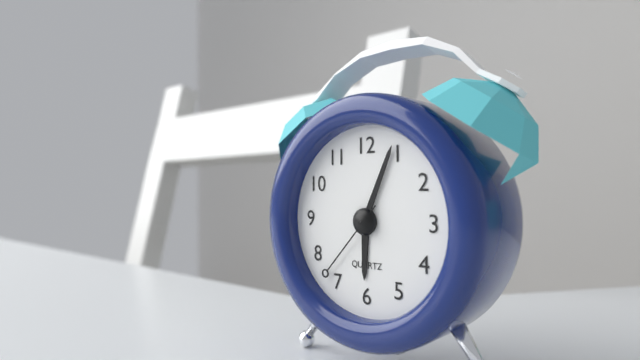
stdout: 6:04:37
